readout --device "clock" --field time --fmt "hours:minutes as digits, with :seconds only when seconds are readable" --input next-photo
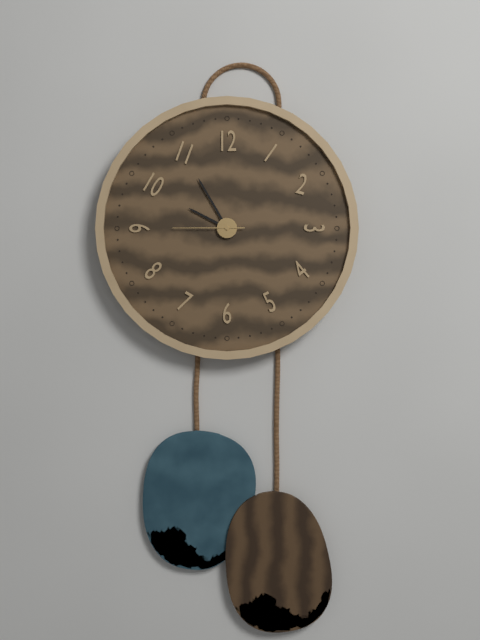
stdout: 9:55:45
